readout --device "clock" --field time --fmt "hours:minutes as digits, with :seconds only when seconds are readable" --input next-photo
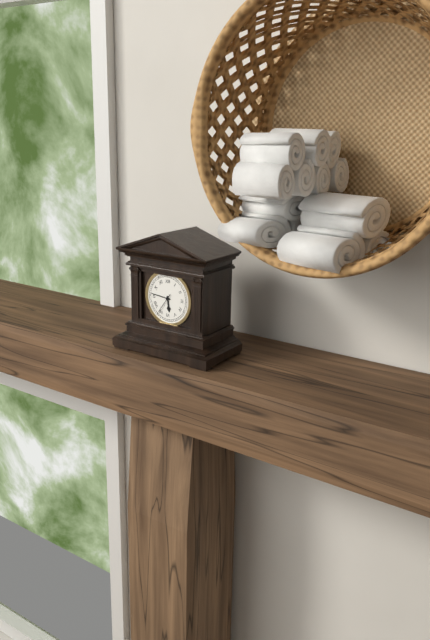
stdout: 5:46
